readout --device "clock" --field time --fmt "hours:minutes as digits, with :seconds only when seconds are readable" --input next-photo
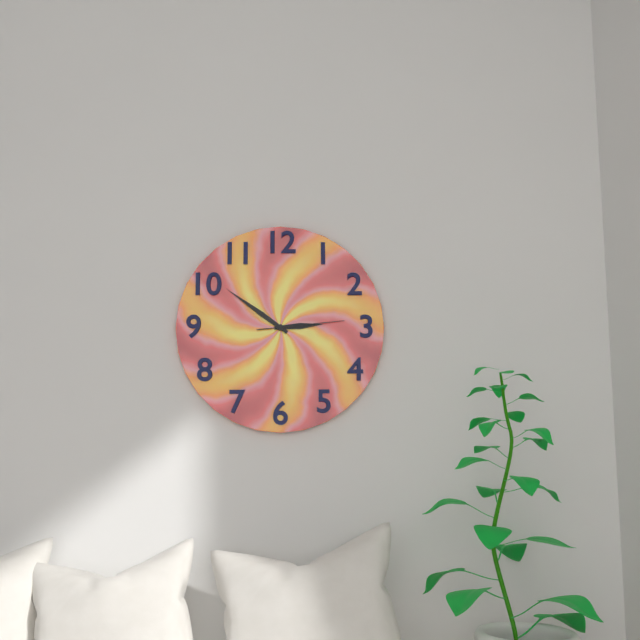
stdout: 2:51:14
